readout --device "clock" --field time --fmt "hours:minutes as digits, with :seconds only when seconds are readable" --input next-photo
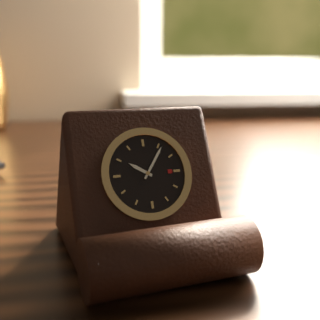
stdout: 10:06
